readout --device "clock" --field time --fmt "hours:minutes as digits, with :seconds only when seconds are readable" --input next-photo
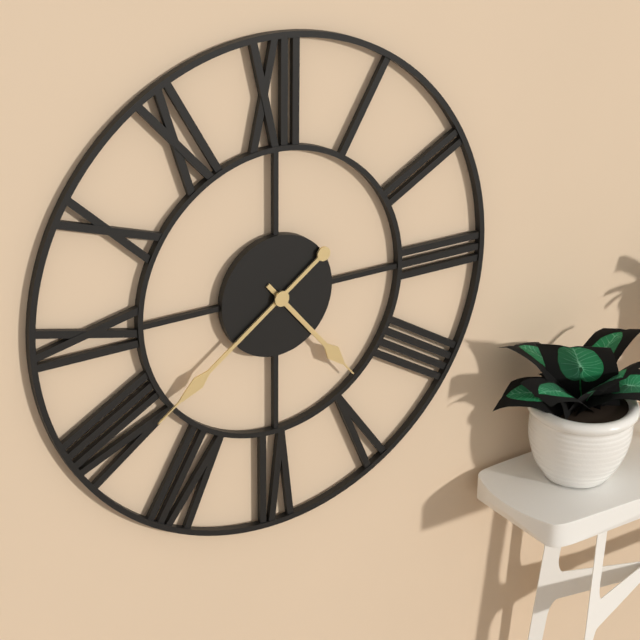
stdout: 4:39
